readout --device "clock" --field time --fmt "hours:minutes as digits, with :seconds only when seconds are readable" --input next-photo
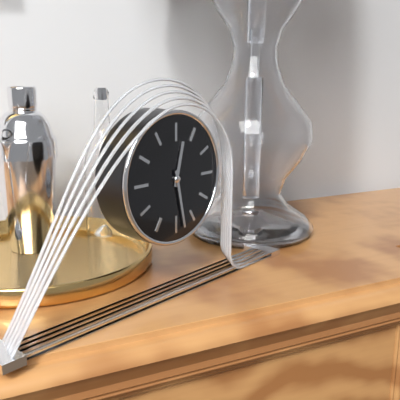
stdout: 12:28
